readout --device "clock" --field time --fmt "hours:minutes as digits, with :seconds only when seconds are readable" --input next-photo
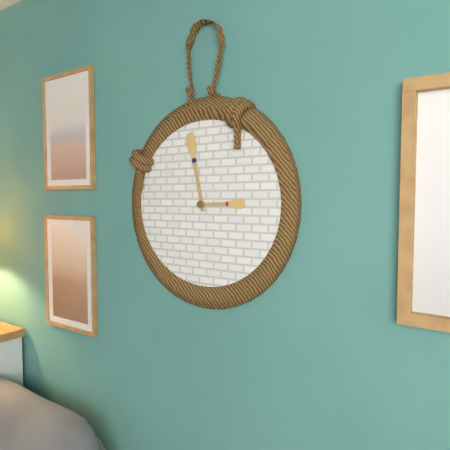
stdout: 2:58
